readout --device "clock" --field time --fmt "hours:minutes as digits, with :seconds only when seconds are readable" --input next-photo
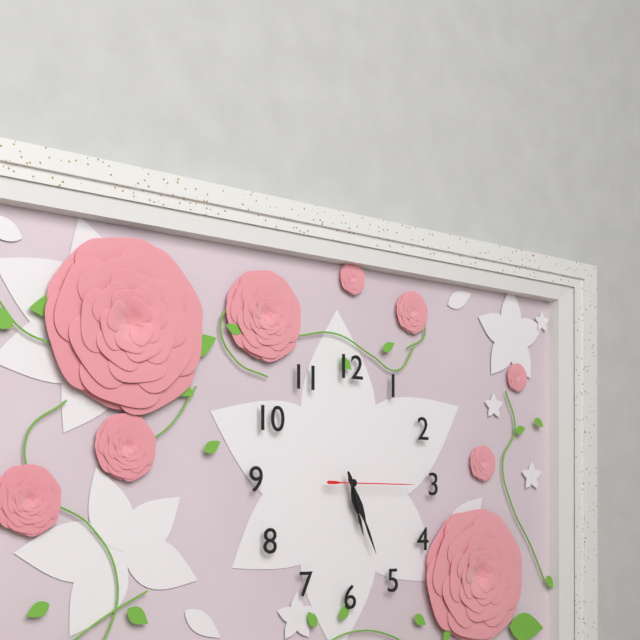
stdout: 5:26:15
